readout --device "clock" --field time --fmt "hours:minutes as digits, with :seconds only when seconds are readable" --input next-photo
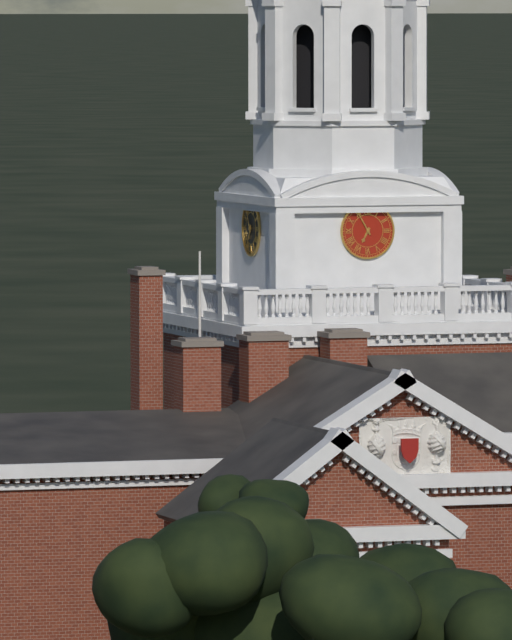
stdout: 6:55
